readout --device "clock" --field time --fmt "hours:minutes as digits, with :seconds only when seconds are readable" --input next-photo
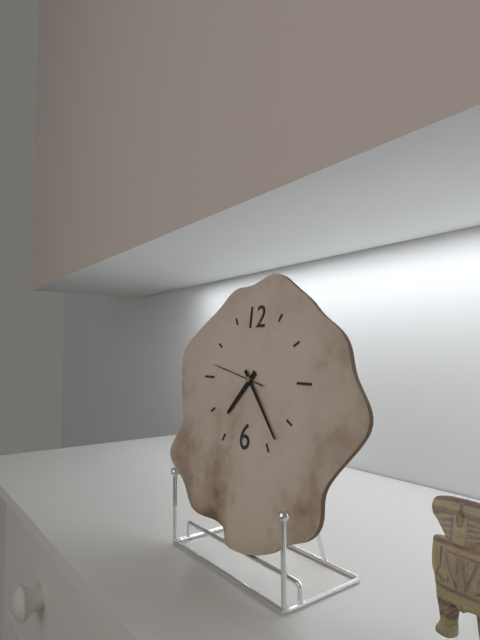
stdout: 7:23:47
